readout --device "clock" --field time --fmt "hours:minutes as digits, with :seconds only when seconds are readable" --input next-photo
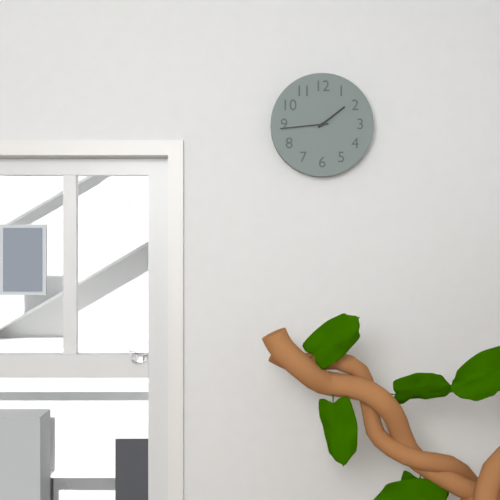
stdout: 1:44
